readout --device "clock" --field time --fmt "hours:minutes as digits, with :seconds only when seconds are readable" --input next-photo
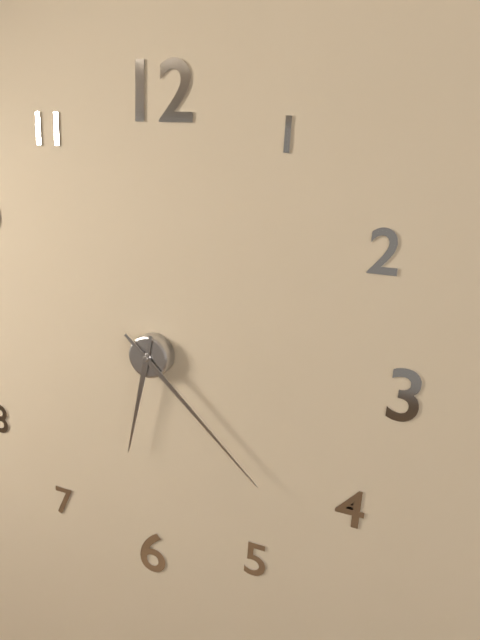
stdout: 6:22
